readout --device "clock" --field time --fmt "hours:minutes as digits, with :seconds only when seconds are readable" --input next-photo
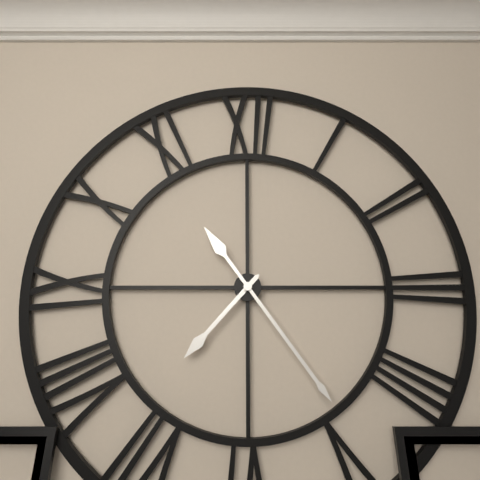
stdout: 7:24
